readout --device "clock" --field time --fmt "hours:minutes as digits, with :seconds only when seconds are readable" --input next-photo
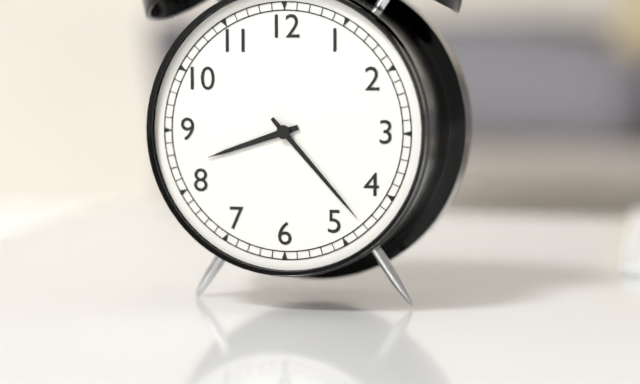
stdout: 8:23
